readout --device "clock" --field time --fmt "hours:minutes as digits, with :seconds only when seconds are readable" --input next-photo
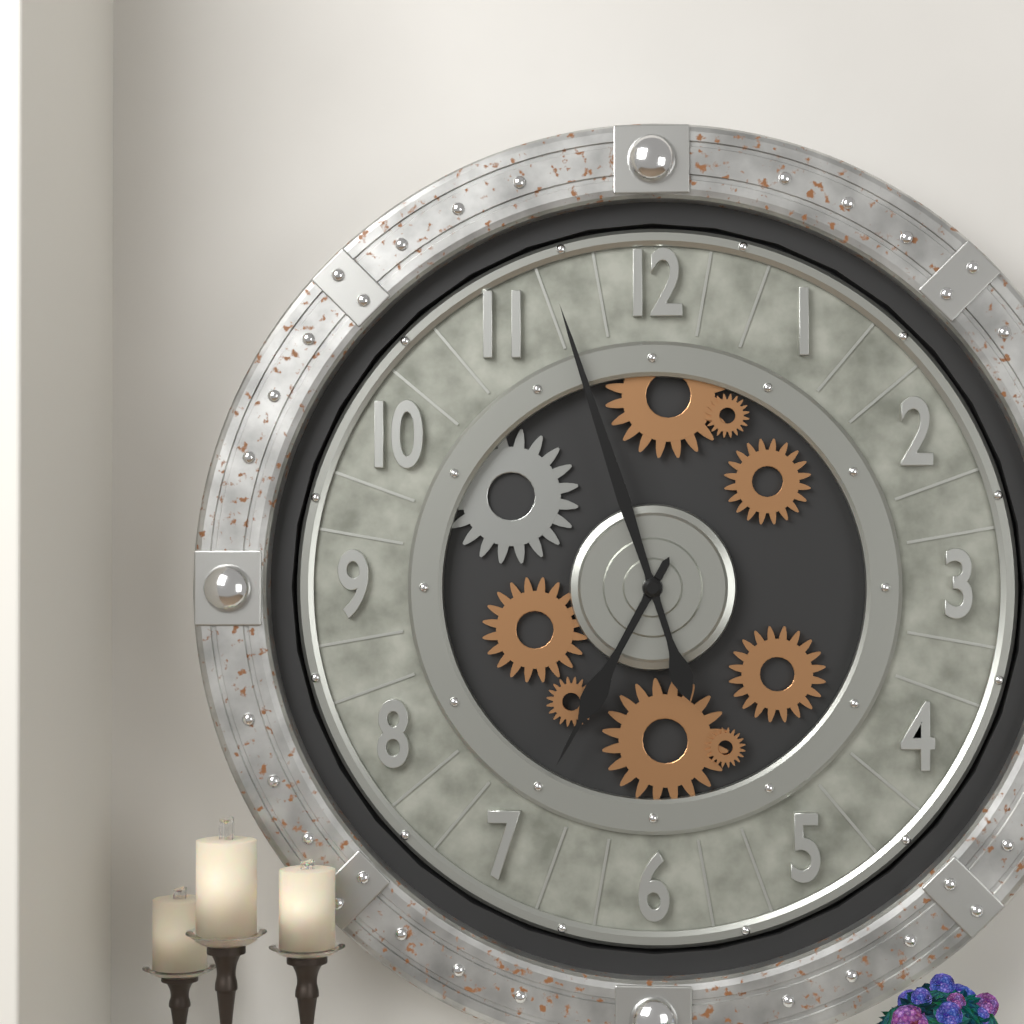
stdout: 6:57
